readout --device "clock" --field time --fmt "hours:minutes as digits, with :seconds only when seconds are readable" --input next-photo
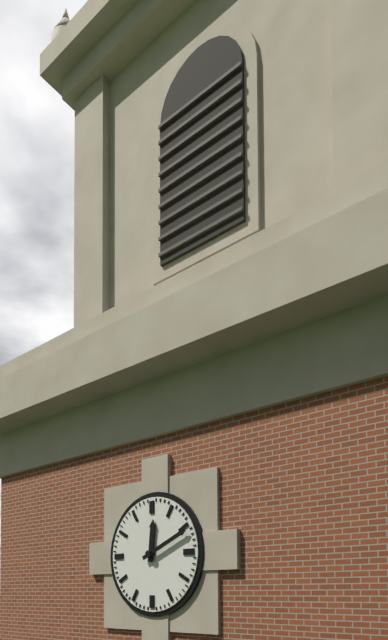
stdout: 12:11
